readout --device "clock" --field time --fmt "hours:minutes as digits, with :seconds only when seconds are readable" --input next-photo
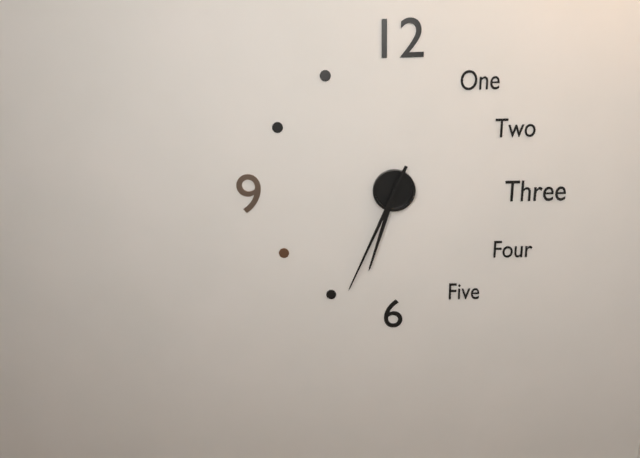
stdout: 6:34
